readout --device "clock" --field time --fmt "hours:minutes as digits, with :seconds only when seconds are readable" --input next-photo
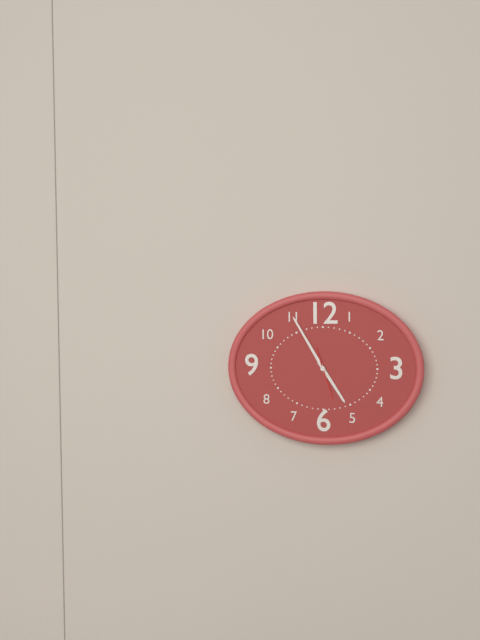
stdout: 4:55
